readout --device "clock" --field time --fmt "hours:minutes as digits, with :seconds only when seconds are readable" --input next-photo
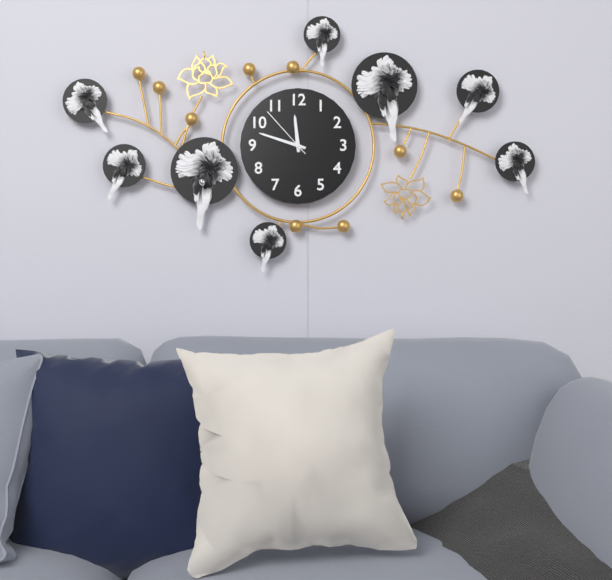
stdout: 11:48:53
